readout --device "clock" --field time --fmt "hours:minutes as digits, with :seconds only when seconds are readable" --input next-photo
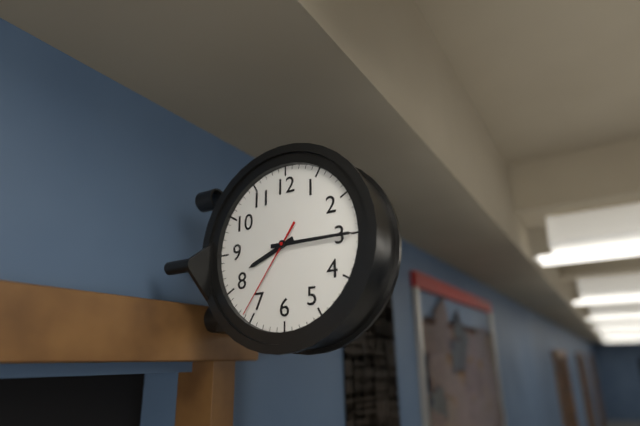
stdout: 8:15:36
